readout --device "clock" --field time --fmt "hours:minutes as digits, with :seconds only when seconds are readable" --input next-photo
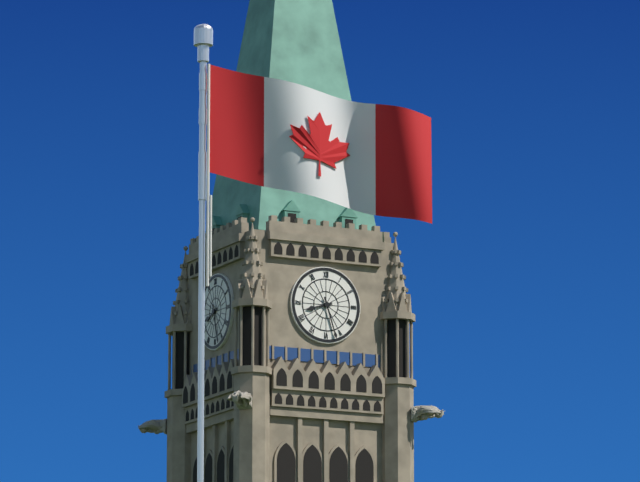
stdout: 8:27
